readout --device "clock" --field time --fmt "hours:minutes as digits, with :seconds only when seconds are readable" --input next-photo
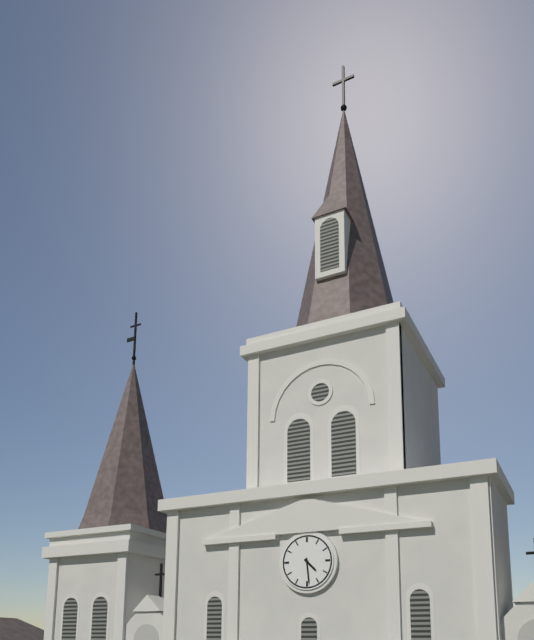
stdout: 4:29
